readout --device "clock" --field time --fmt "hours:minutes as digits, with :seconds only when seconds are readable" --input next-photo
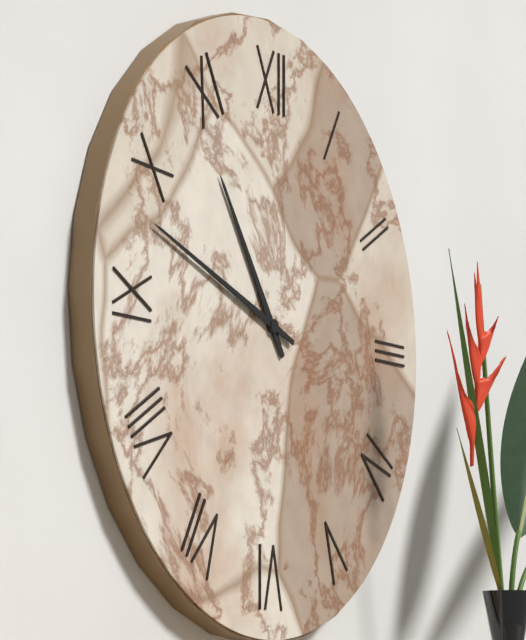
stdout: 10:48
